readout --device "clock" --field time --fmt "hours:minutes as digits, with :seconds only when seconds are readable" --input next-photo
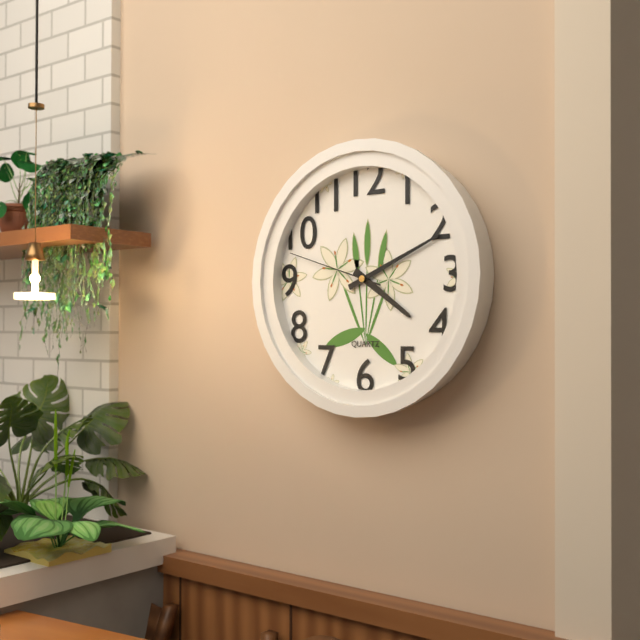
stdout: 4:11:48
